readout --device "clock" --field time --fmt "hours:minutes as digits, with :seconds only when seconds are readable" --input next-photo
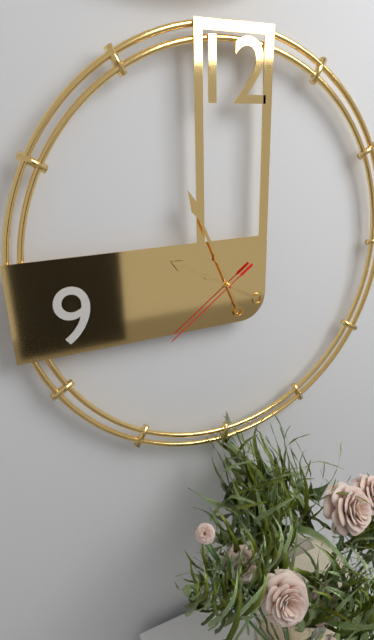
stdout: 9:56:39
